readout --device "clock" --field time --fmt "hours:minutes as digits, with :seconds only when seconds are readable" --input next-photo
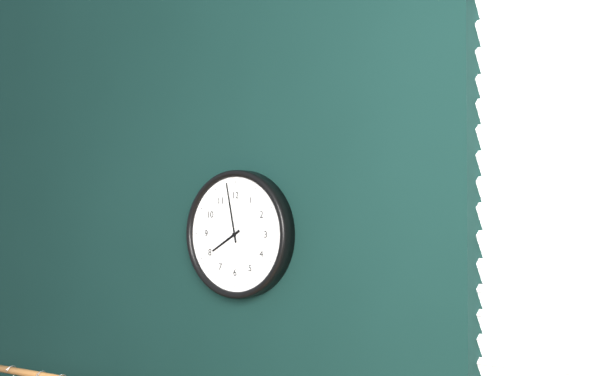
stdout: 7:58
